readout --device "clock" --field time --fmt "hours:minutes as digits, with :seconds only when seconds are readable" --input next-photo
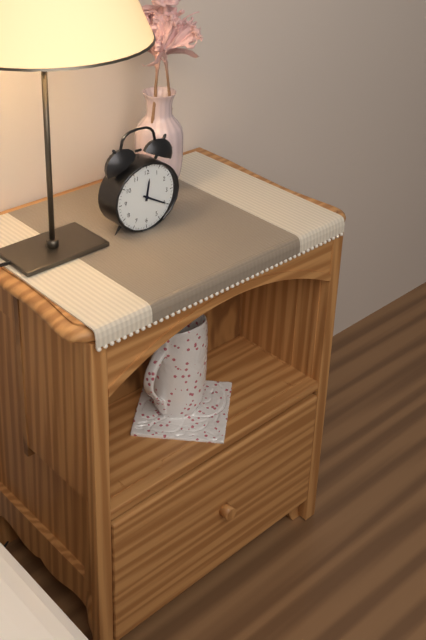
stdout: 12:20
